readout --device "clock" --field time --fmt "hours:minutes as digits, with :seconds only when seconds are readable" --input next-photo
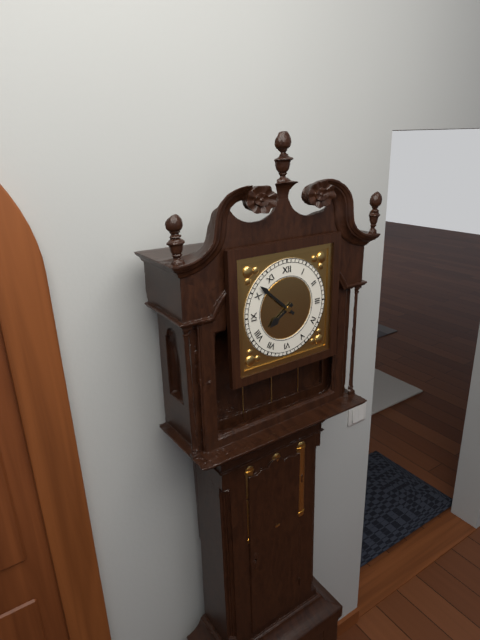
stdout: 7:52
